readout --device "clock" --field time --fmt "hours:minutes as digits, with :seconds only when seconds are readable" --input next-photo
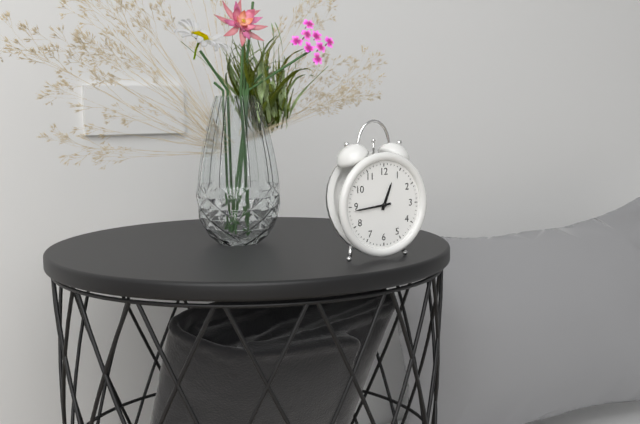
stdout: 12:44
